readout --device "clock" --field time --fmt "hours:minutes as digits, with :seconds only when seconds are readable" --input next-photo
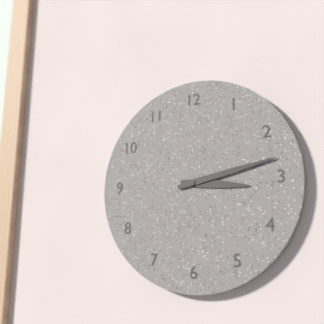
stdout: 3:13
